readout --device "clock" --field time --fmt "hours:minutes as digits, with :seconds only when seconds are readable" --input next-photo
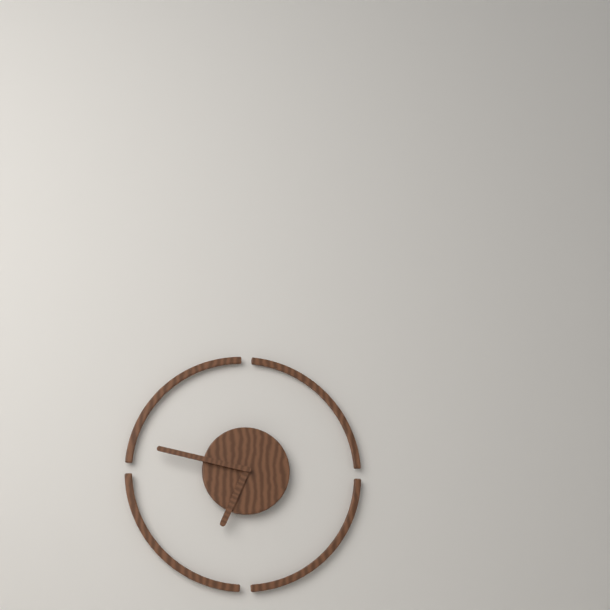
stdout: 6:47
